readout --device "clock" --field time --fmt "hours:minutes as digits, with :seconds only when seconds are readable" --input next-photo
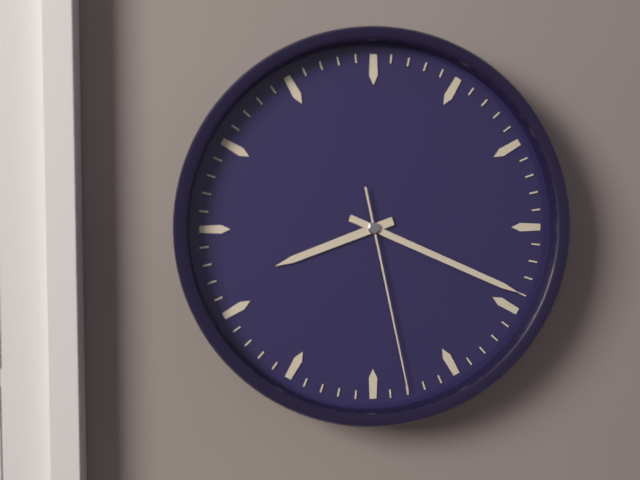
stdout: 8:19:28
